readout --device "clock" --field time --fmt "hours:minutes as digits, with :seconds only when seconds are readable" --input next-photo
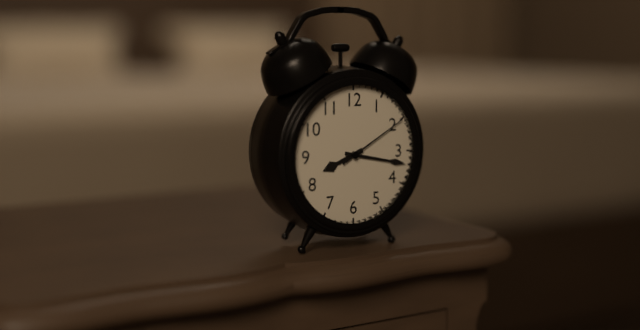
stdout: 8:17:10
